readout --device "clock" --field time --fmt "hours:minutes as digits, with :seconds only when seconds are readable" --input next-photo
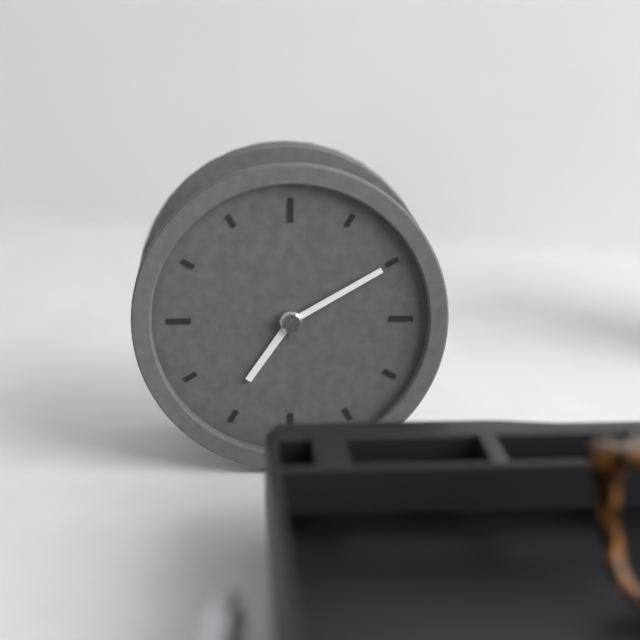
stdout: 7:10
